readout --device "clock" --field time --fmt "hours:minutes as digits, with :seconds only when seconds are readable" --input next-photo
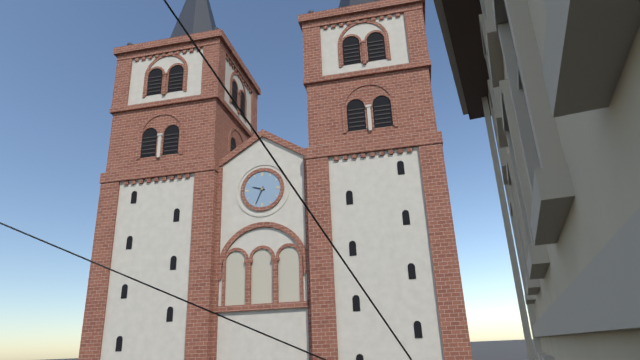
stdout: 9:34
